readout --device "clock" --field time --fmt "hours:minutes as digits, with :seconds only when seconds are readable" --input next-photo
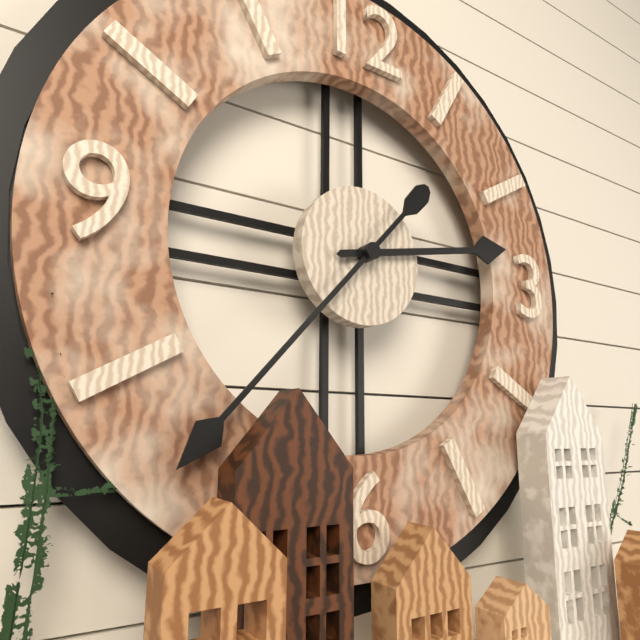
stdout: 2:37
